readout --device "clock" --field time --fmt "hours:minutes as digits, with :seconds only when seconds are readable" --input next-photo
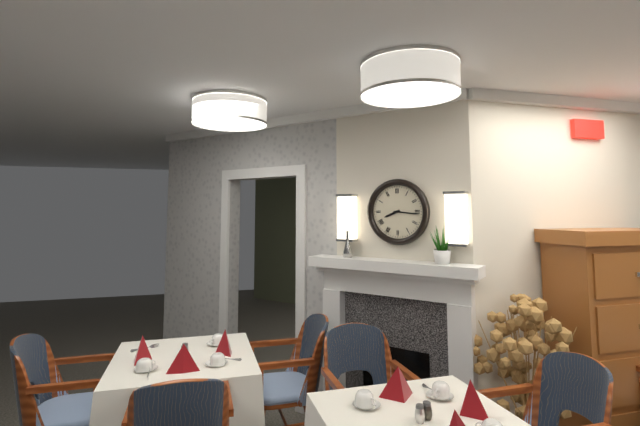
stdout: 8:16
